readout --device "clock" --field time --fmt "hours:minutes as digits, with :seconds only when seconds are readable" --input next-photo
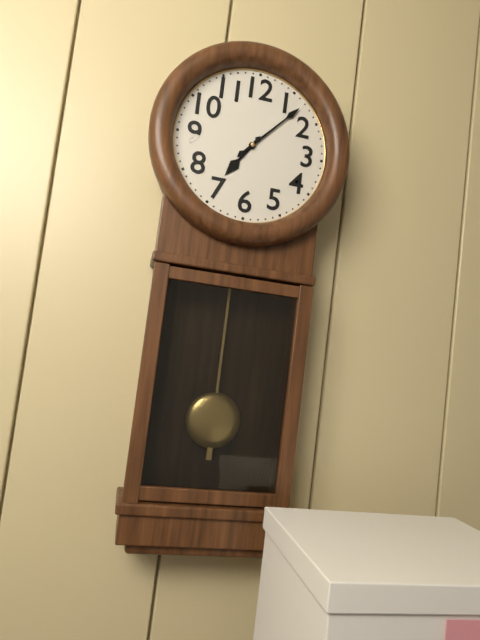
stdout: 7:07
